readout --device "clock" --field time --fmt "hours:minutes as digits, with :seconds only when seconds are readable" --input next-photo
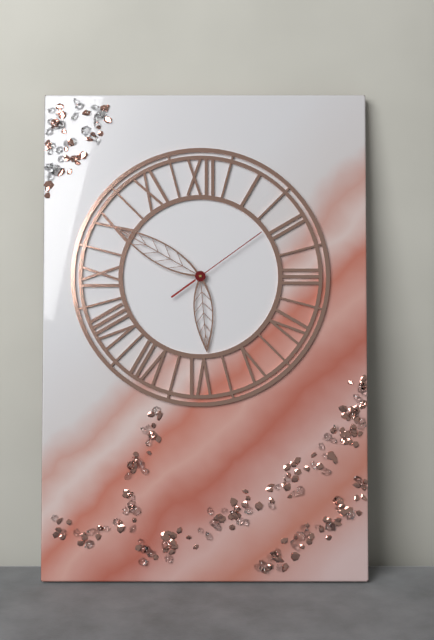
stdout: 5:50:09
